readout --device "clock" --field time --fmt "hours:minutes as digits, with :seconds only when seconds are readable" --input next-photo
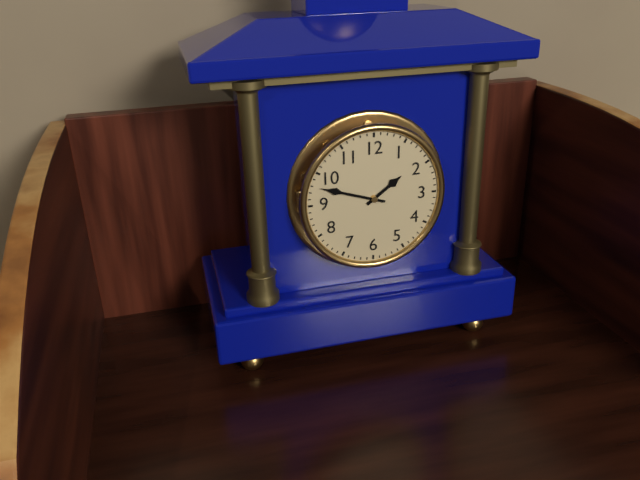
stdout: 1:48
